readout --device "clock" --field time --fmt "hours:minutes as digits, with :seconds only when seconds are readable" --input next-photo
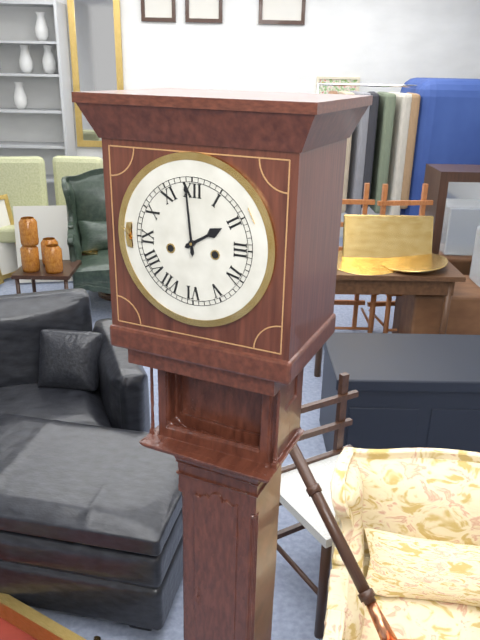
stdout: 1:59
